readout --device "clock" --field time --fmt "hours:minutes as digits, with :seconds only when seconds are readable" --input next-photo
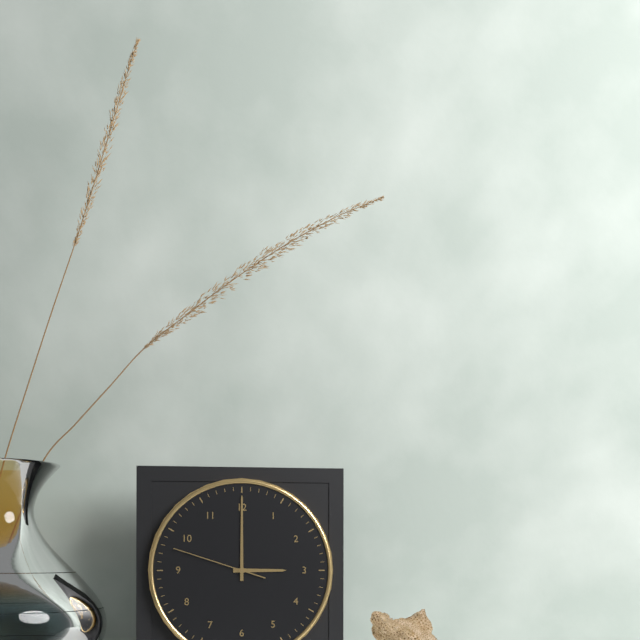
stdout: 3:00:48
